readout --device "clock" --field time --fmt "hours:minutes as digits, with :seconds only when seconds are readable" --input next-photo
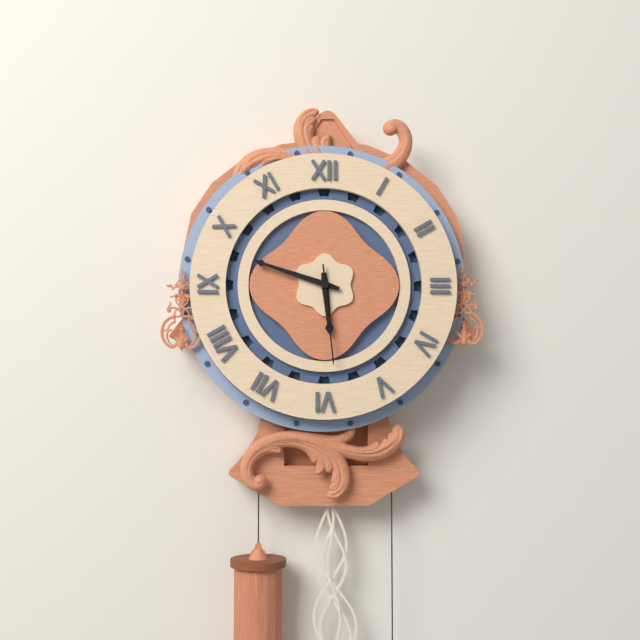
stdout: 5:48:29
